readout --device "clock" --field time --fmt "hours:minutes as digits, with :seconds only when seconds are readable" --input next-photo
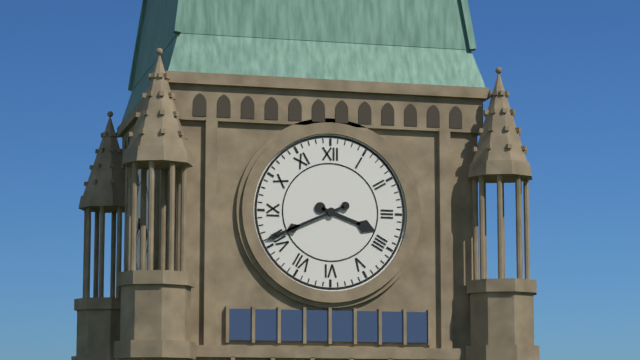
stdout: 3:41
